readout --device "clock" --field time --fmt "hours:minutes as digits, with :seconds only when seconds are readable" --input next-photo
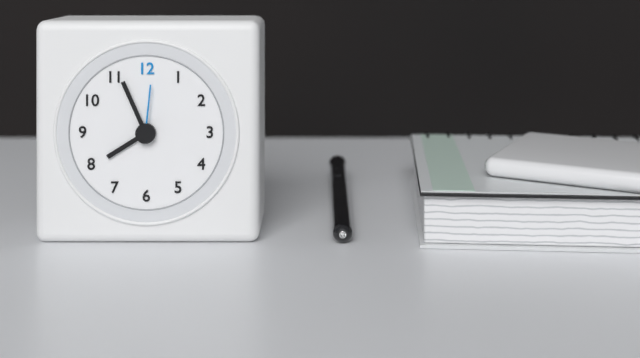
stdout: 7:56:01
